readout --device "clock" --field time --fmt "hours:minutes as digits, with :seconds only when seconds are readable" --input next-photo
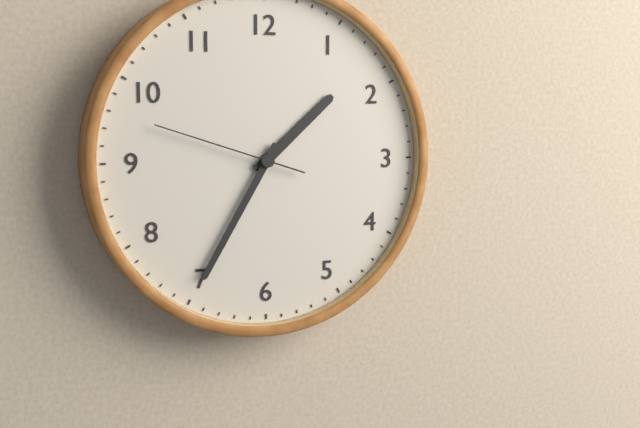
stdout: 1:35:48
